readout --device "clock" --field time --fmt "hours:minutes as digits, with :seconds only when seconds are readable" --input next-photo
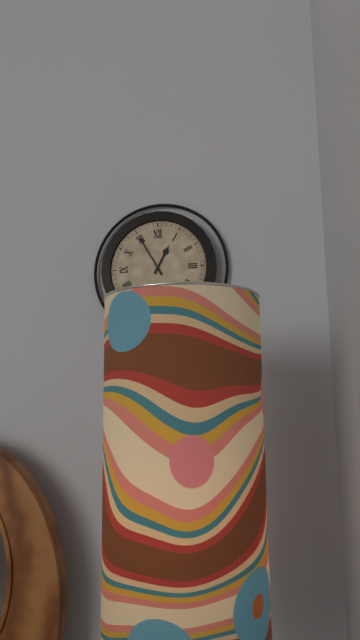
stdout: 12:55
